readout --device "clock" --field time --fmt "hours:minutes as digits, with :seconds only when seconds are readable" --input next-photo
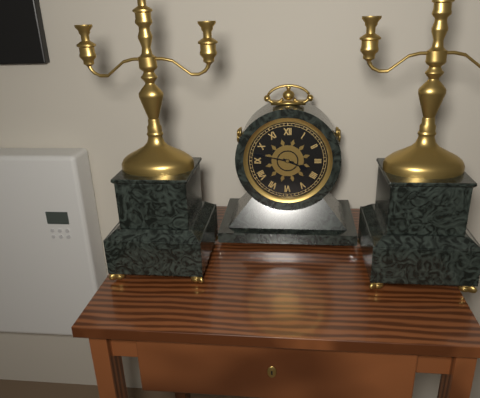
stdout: 3:47
